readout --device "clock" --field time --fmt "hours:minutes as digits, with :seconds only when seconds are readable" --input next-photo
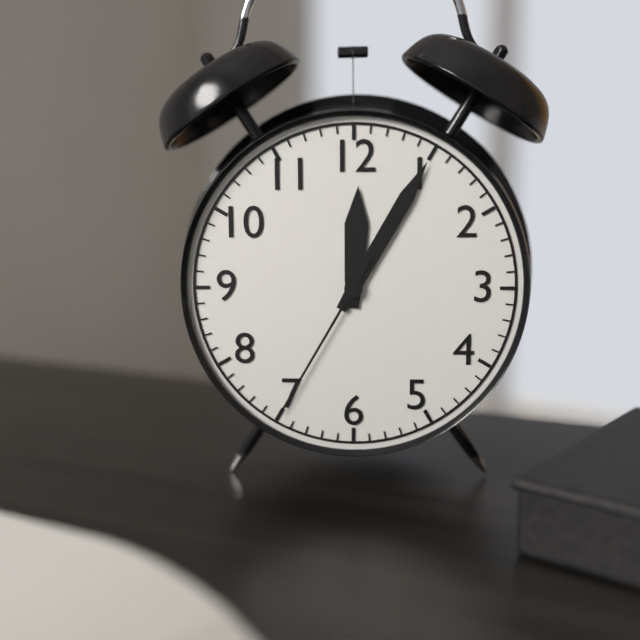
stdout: 12:05:35
